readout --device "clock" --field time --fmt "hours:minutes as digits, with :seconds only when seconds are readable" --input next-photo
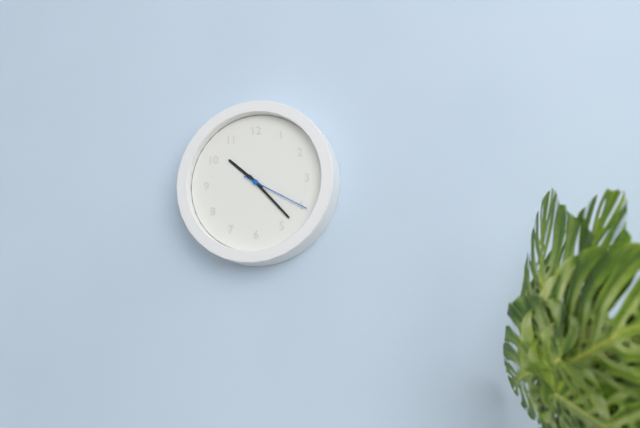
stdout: 10:23:20
